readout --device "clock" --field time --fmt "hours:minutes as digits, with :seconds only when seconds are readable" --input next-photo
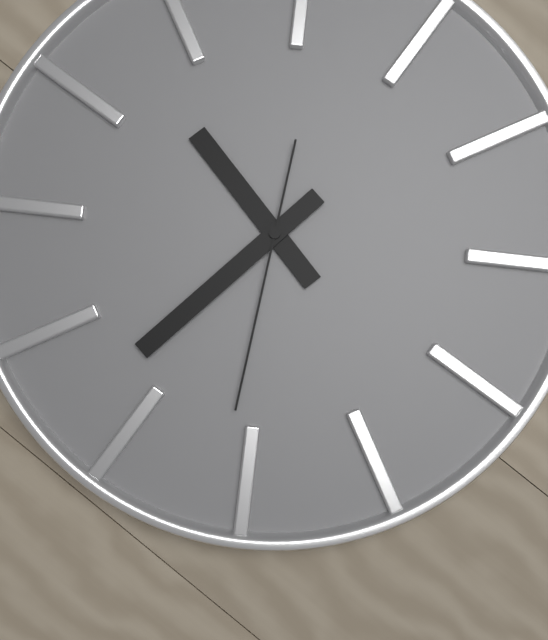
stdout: 9:32:26
